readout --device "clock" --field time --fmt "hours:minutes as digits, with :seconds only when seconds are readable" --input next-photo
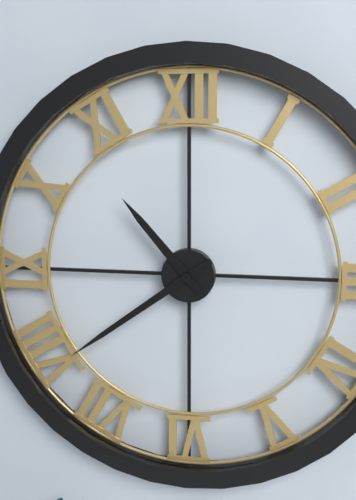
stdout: 10:39
